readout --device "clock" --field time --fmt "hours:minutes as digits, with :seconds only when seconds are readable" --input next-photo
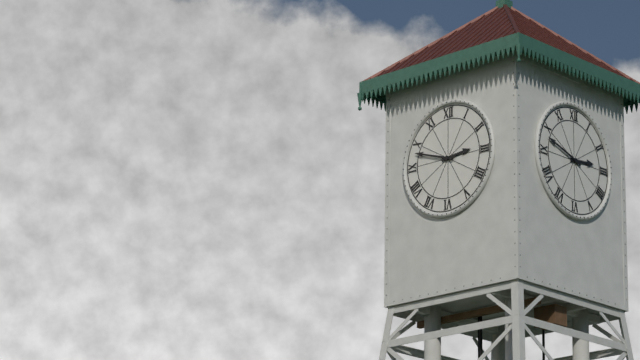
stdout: 2:48
